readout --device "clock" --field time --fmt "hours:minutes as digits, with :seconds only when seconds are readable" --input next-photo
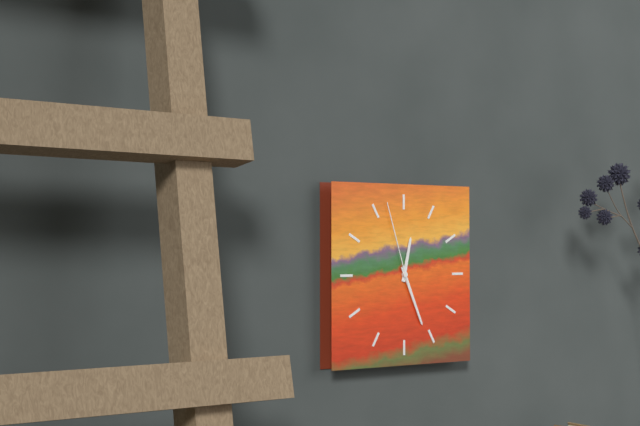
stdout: 12:26:57
